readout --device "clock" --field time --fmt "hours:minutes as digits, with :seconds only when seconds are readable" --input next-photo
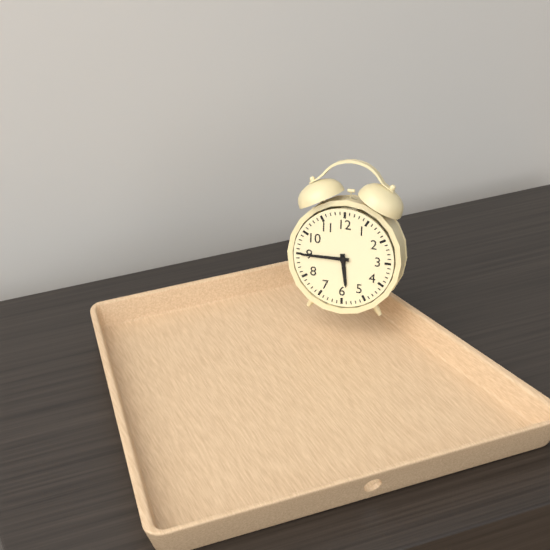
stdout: 5:45
